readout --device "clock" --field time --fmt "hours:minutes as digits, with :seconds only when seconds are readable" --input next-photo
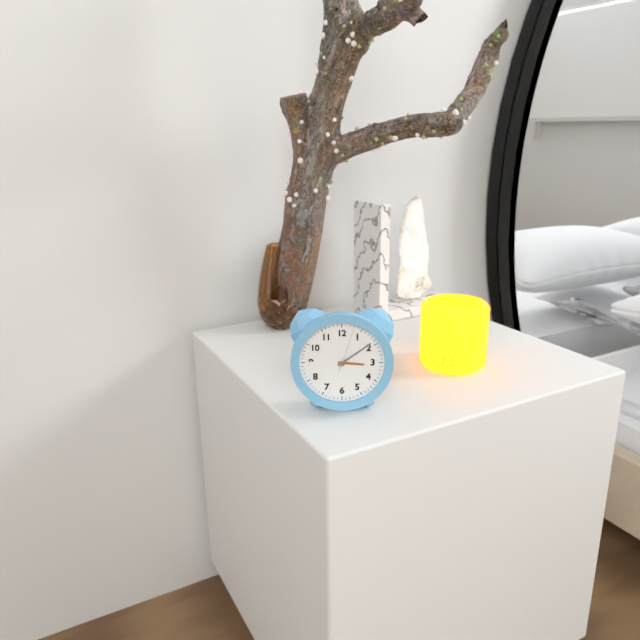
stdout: 3:09
